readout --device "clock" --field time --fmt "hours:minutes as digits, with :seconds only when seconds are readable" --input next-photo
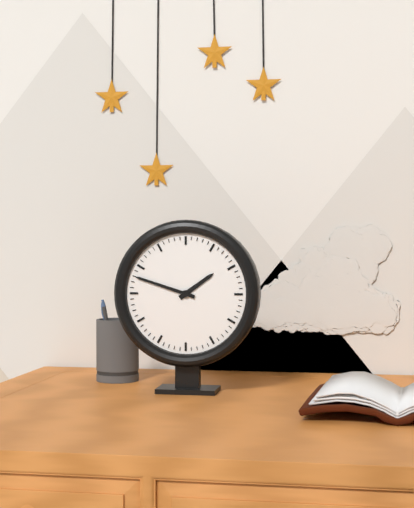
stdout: 1:48
